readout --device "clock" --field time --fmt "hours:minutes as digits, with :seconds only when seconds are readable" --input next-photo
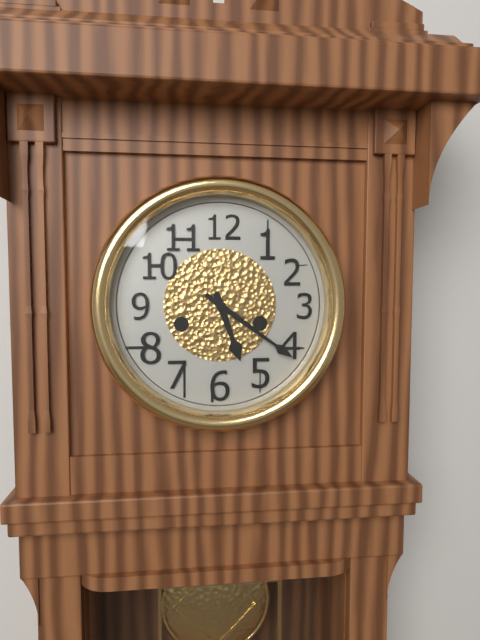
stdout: 5:21
